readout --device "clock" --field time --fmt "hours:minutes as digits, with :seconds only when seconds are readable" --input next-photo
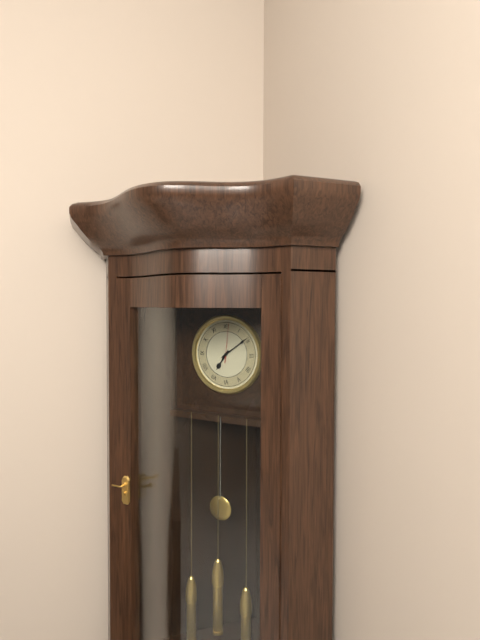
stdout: 7:09
